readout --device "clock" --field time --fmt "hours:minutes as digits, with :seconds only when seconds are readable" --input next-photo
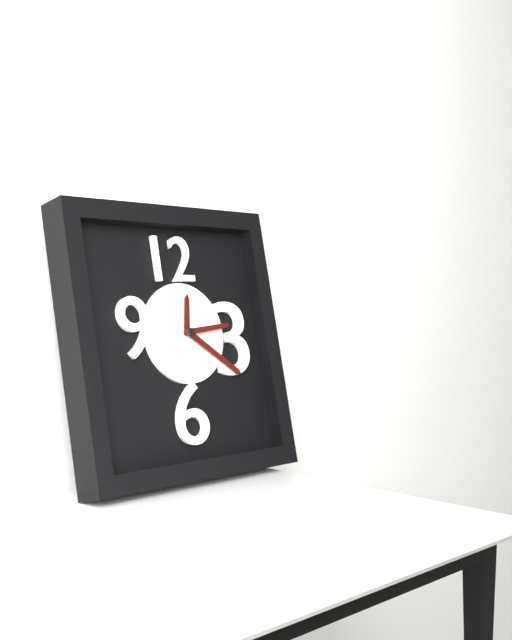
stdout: 12:21:14
